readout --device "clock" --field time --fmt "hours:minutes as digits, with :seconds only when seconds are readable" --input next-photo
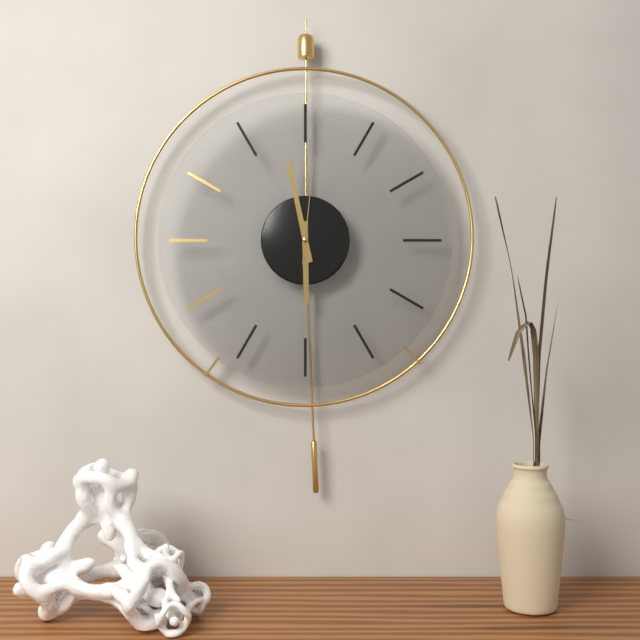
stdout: 5:58:01
